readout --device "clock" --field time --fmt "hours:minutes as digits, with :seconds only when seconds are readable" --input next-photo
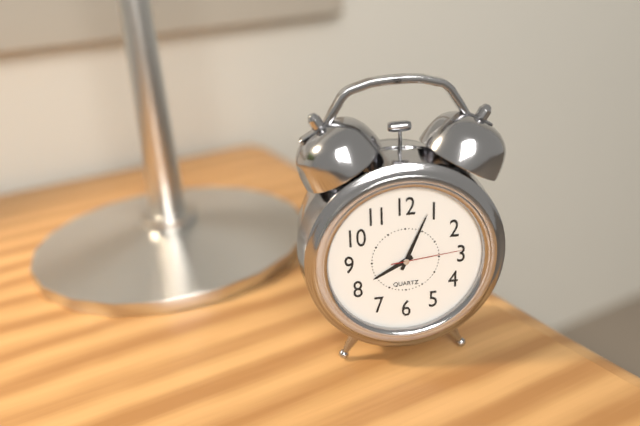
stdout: 8:04:14
